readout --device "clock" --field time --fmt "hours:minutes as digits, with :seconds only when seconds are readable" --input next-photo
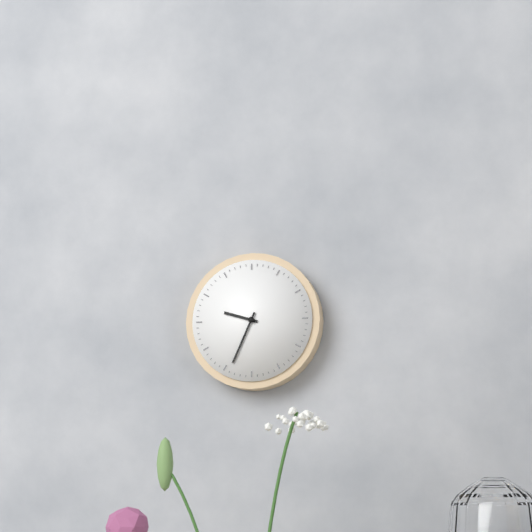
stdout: 9:34
